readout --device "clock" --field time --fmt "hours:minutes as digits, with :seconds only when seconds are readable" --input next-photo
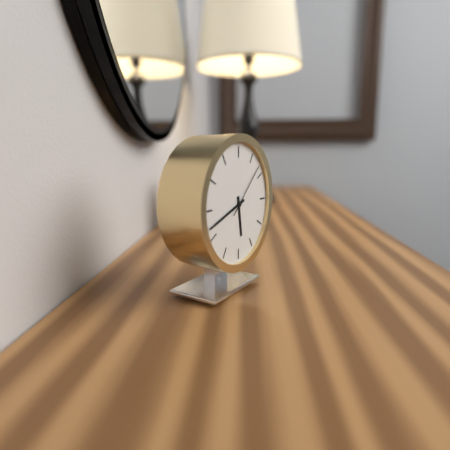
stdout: 5:42:08
